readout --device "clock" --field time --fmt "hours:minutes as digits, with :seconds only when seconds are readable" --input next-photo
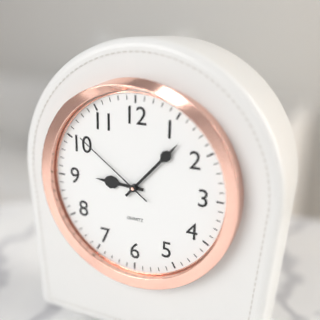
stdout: 9:07:51
